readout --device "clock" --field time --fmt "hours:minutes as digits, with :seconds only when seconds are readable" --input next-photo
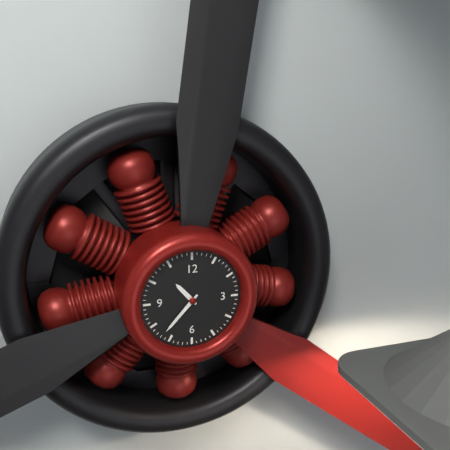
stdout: 10:37
